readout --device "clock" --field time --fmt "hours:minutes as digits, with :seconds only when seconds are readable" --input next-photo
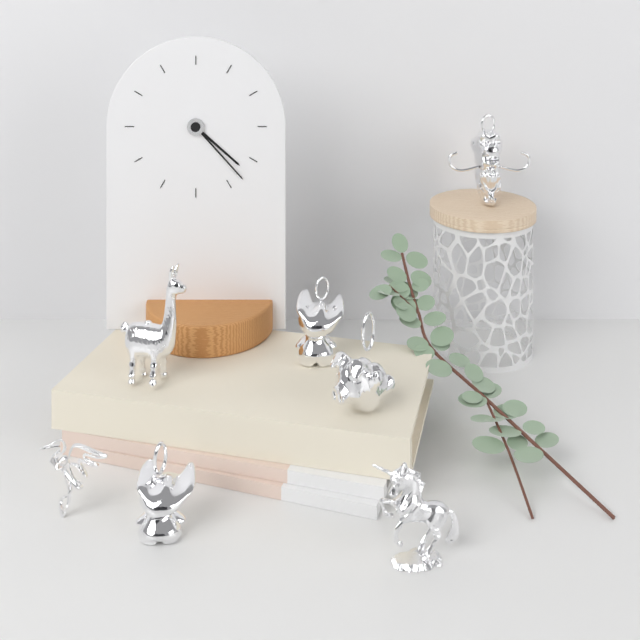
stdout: 4:23
